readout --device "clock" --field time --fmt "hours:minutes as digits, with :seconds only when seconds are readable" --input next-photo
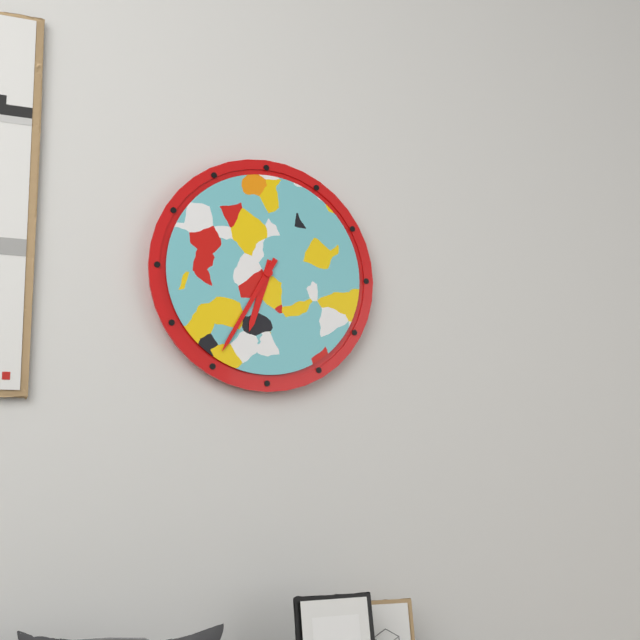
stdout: 6:35
